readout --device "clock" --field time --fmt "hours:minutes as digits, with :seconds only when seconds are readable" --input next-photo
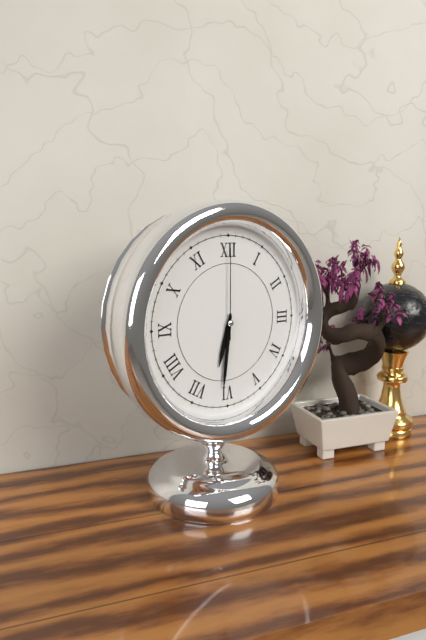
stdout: 6:31:00
